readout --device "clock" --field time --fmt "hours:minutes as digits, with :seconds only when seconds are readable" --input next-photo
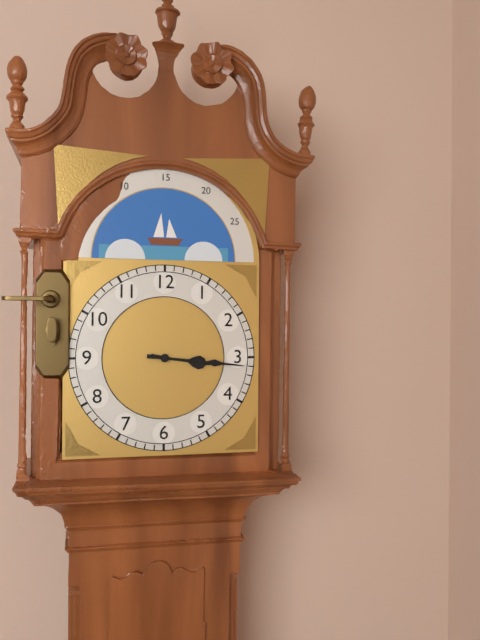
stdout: 3:16
